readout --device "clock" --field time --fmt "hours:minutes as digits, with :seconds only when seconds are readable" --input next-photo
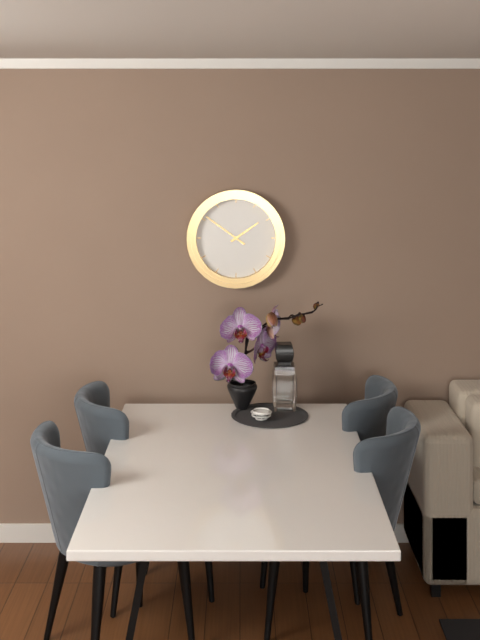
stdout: 1:51
